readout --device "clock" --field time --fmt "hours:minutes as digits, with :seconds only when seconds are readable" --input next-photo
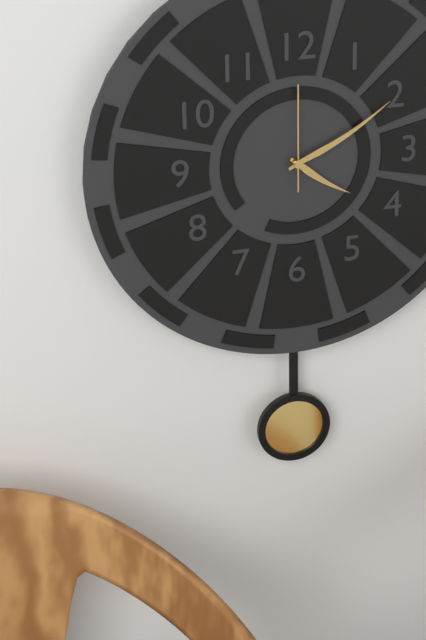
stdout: 4:10:00
